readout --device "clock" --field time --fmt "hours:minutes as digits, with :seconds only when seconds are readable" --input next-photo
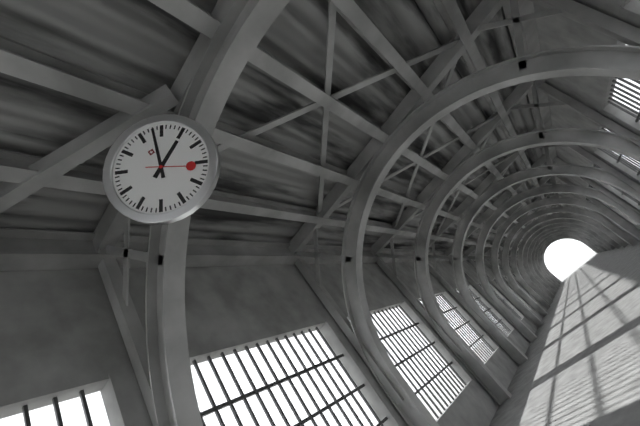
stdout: 2:03
